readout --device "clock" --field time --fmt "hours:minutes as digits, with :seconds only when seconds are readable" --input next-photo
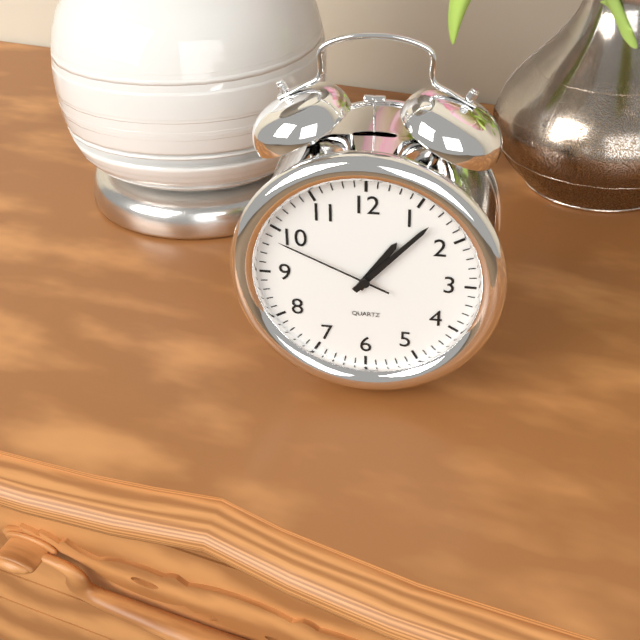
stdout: 1:07:49
